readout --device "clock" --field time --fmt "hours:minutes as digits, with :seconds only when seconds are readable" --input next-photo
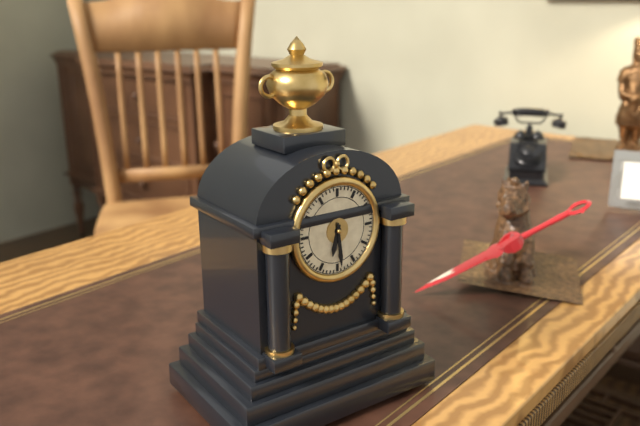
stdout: 6:29
